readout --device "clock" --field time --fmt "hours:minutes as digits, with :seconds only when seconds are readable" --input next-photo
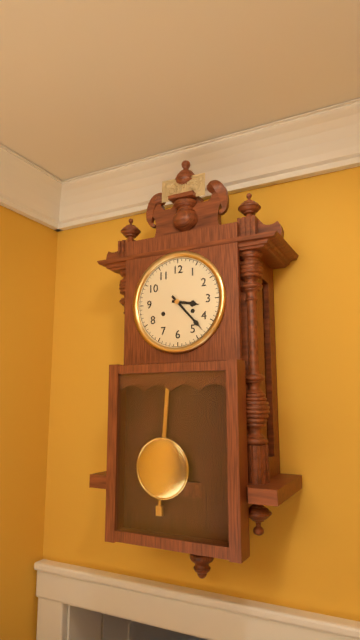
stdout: 3:23
